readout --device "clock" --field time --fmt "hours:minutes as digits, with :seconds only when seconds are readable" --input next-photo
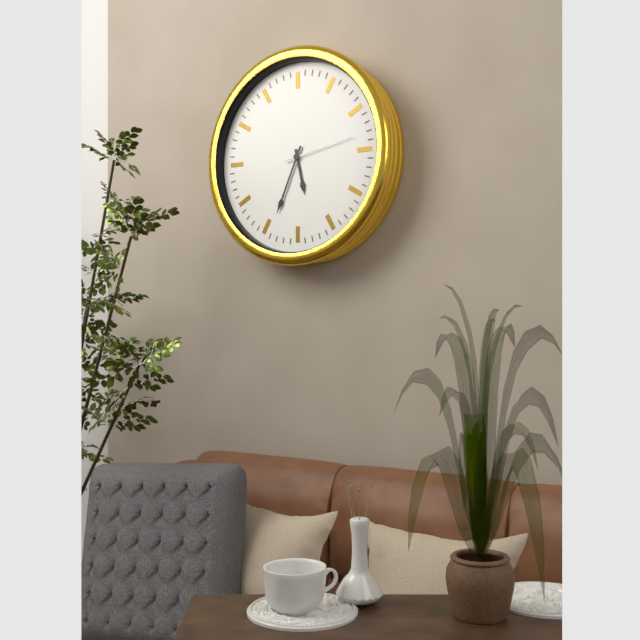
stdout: 5:34:13
